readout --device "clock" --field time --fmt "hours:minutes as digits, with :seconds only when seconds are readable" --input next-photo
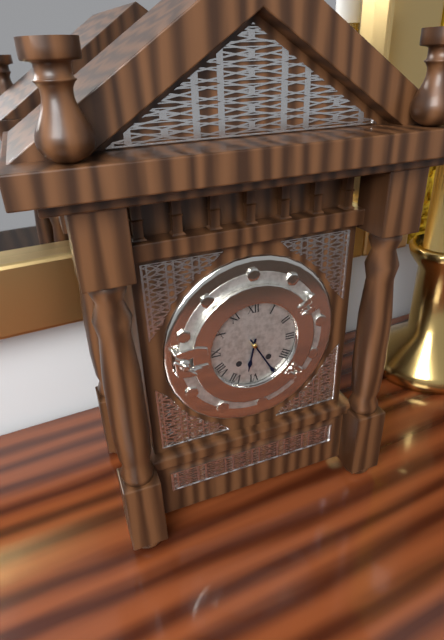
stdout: 6:25
